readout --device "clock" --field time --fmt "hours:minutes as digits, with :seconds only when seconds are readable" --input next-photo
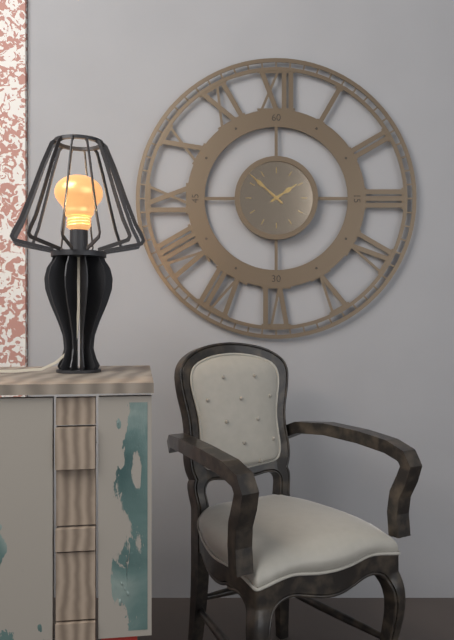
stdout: 1:52
